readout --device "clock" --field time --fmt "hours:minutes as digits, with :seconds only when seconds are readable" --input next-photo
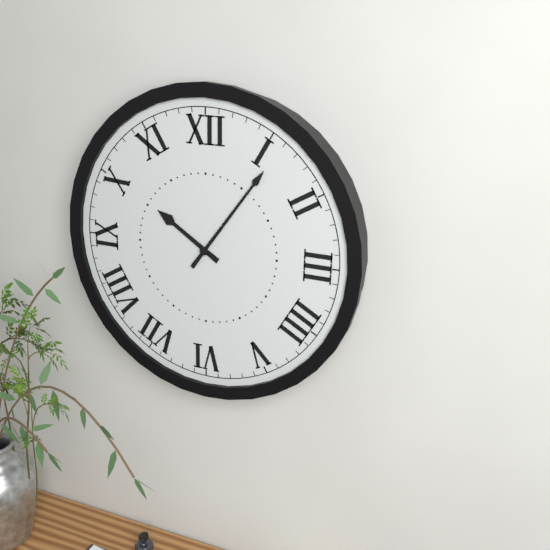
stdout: 10:06
